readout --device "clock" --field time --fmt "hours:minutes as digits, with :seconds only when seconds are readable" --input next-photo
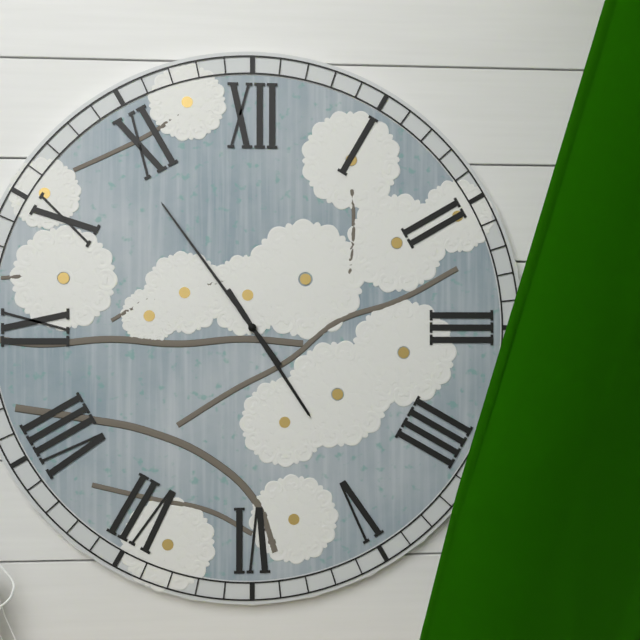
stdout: 4:54
